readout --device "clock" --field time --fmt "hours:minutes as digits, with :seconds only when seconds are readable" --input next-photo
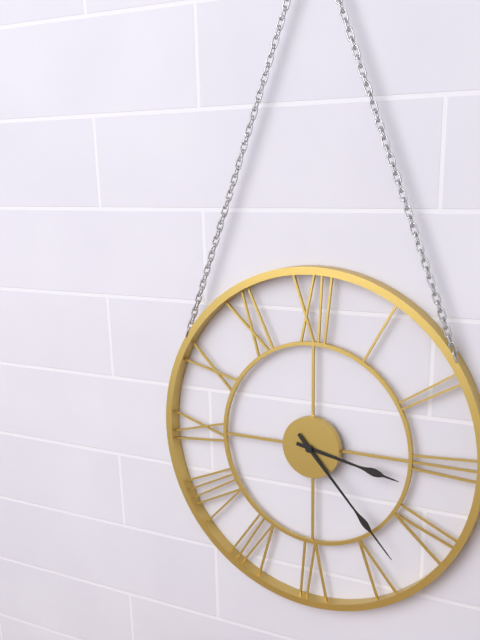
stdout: 3:23
